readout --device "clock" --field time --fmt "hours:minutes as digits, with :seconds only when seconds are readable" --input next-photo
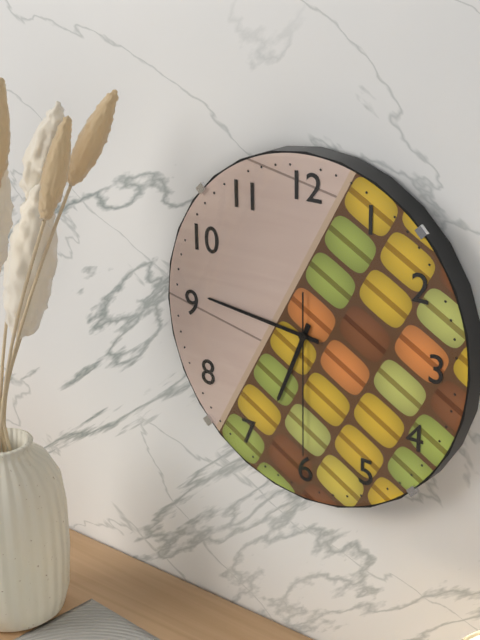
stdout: 6:46:30
